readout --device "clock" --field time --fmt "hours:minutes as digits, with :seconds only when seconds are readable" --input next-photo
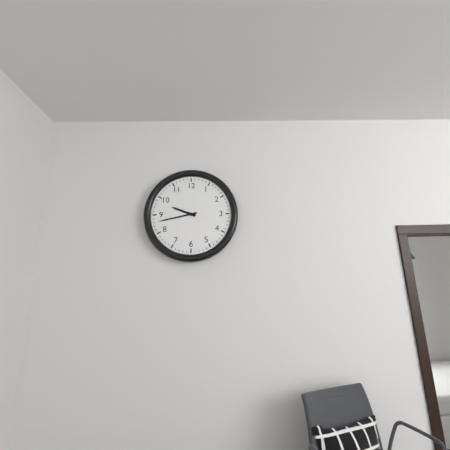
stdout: 9:43
